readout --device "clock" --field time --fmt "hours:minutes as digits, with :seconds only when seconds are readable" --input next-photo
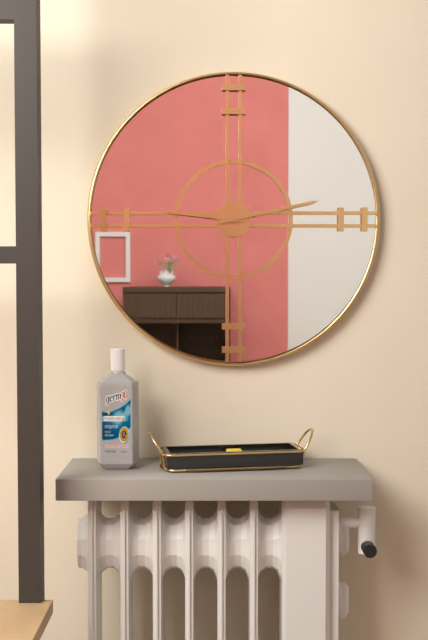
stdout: 9:13
